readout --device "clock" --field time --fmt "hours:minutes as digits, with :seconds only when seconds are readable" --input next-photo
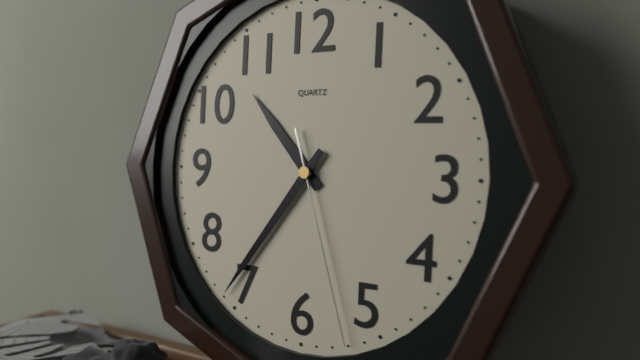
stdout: 10:36:27
